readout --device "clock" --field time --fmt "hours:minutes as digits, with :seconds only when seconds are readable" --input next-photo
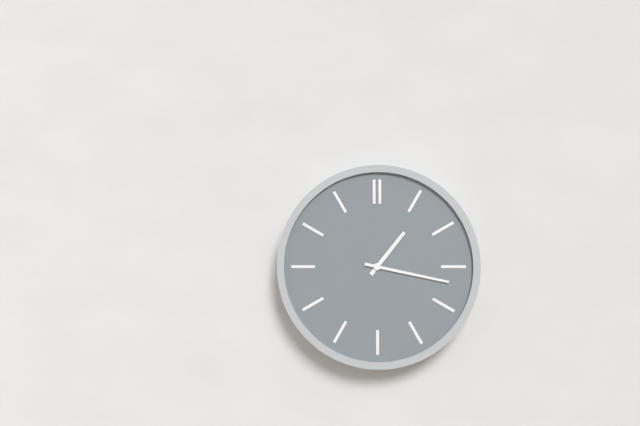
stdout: 1:17
